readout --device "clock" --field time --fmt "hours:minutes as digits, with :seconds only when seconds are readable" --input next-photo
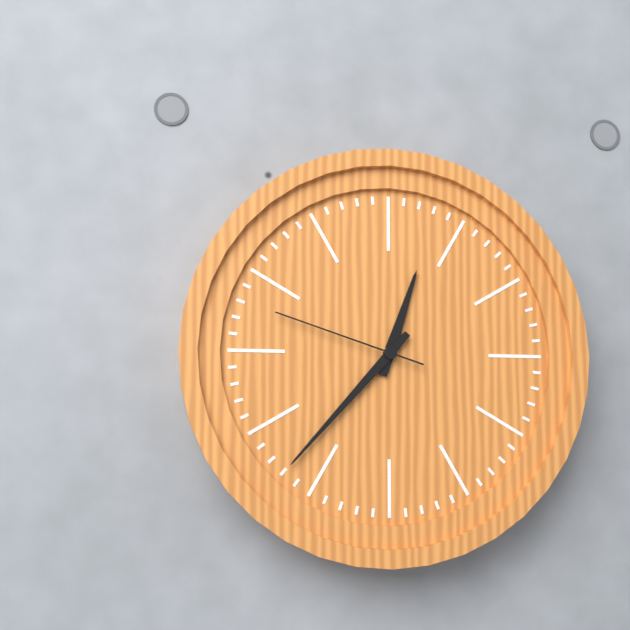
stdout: 12:37:48
